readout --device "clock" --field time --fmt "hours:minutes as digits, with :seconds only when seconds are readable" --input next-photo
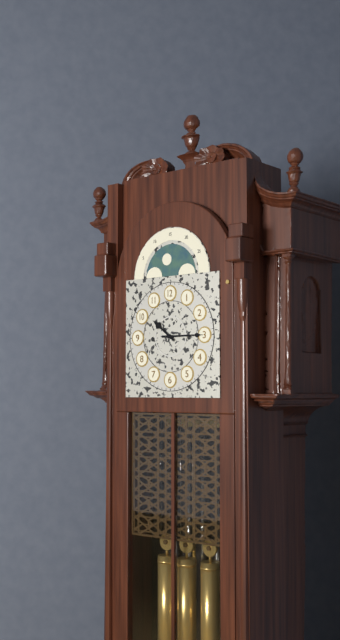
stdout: 10:15
